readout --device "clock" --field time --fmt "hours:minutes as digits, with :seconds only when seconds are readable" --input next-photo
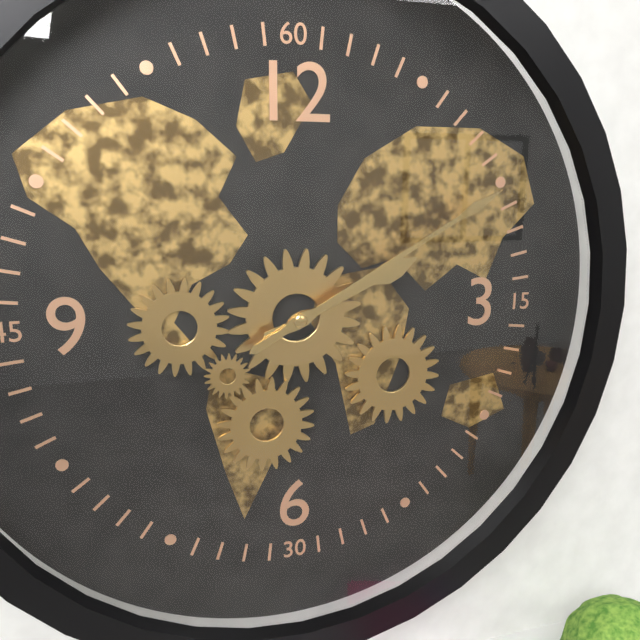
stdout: 2:10
